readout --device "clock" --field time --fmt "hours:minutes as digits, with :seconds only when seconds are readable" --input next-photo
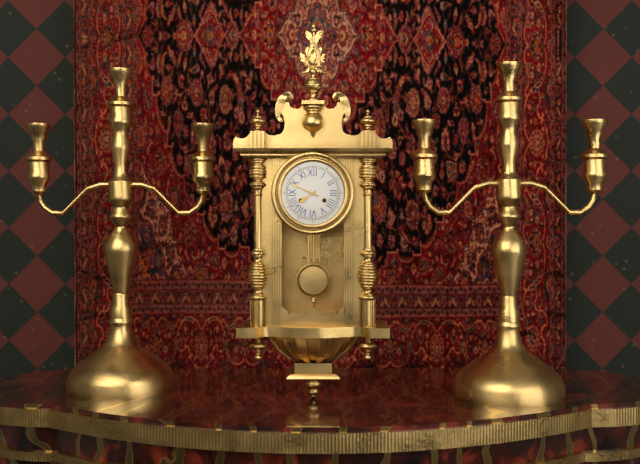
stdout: 7:49
